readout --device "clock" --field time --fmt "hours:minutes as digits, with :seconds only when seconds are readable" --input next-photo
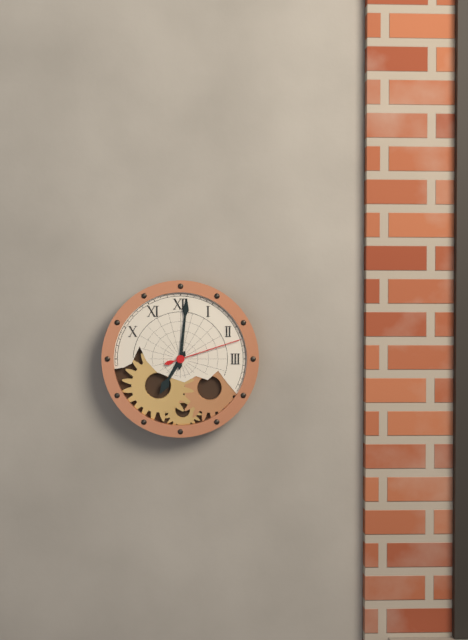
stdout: 7:01:12
